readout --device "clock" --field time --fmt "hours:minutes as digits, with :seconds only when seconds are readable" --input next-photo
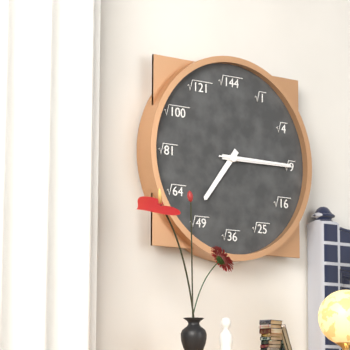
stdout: 7:15:15
